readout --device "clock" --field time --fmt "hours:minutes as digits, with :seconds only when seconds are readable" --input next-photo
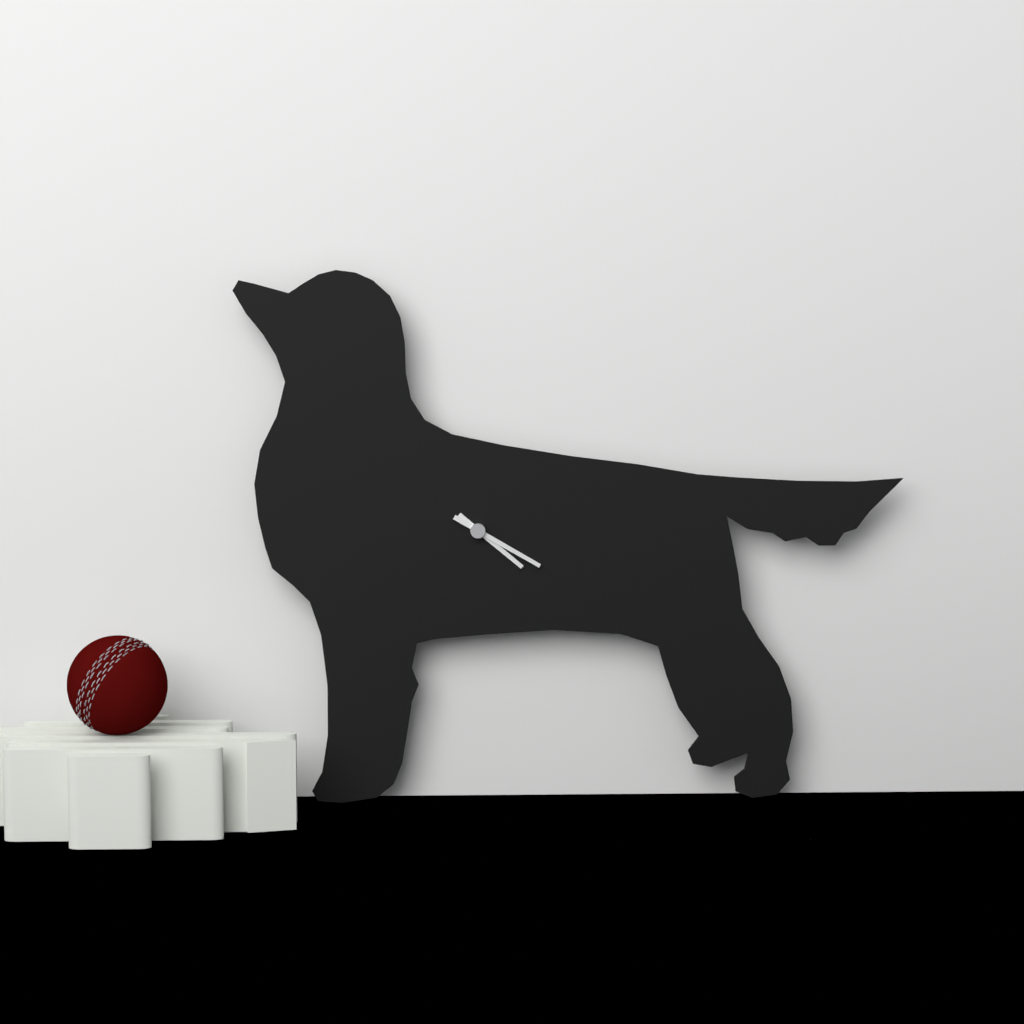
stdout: 4:20
